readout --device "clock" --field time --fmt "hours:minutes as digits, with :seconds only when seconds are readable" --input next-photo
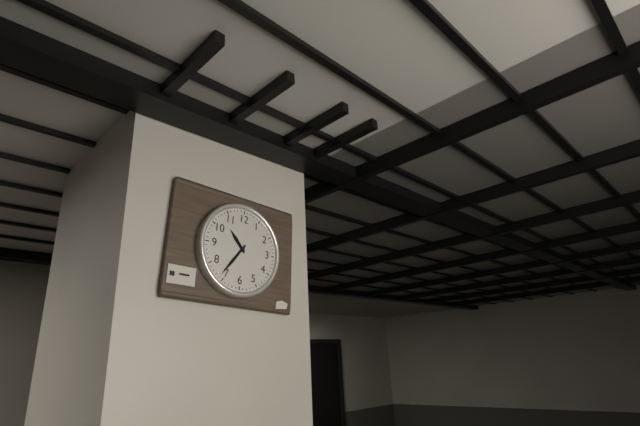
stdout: 10:36
